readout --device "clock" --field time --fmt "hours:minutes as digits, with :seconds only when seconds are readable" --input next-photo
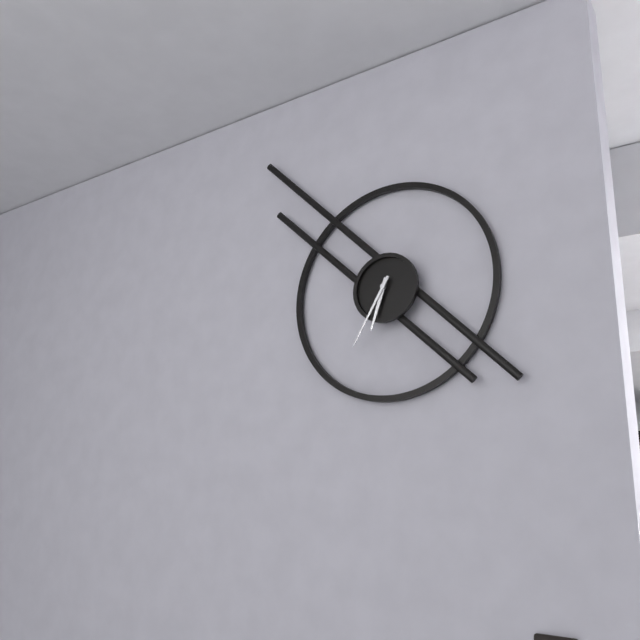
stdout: 6:35
